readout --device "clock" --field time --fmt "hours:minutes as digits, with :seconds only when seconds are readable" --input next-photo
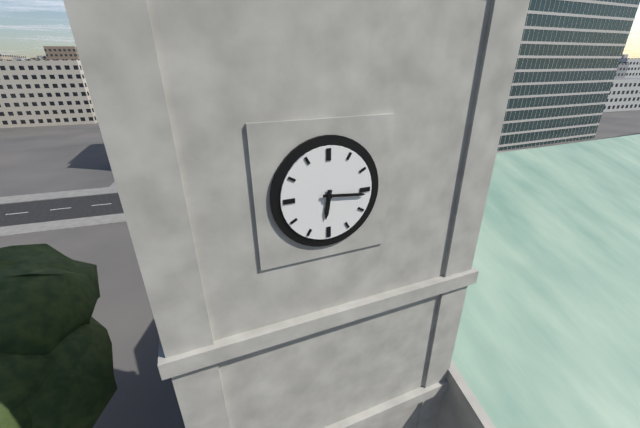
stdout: 6:16
